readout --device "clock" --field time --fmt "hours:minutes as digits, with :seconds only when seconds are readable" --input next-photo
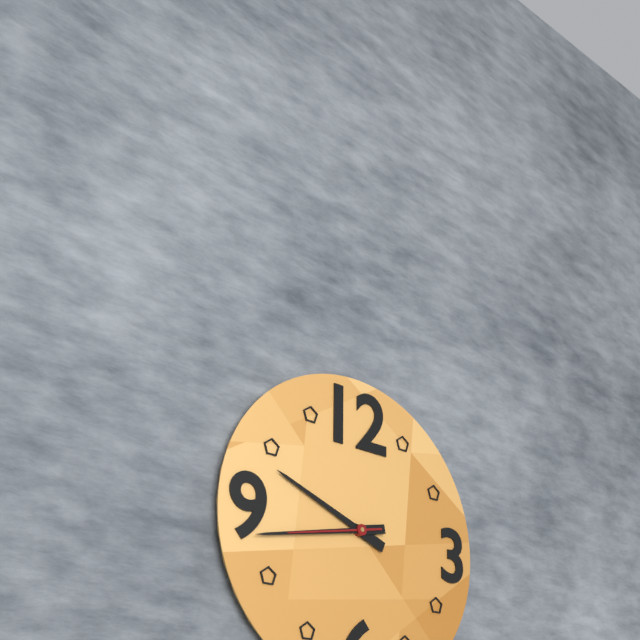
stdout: 9:43:43
